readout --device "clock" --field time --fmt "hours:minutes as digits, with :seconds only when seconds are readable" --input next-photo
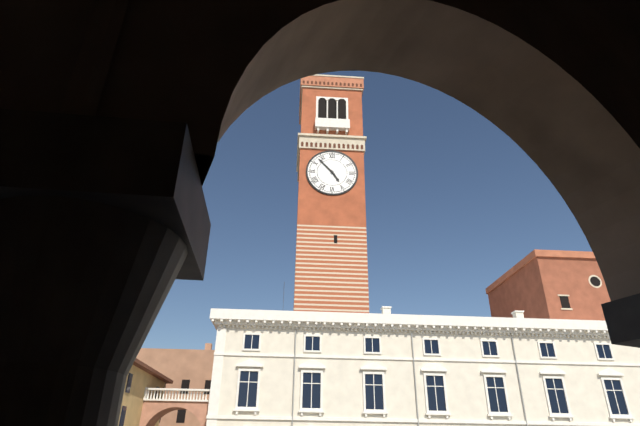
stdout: 4:53
